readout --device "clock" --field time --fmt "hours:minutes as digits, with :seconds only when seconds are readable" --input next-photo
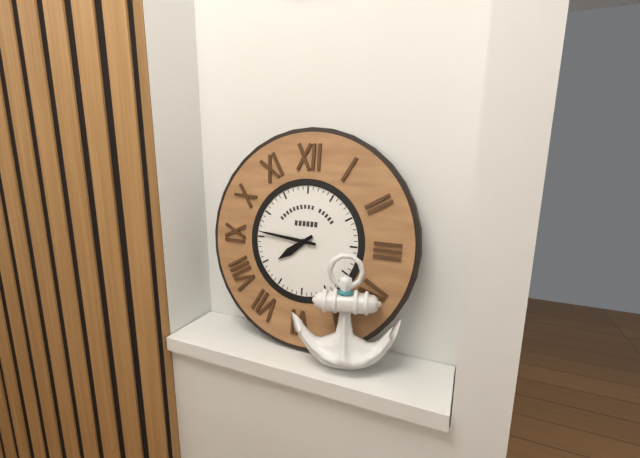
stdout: 7:46
